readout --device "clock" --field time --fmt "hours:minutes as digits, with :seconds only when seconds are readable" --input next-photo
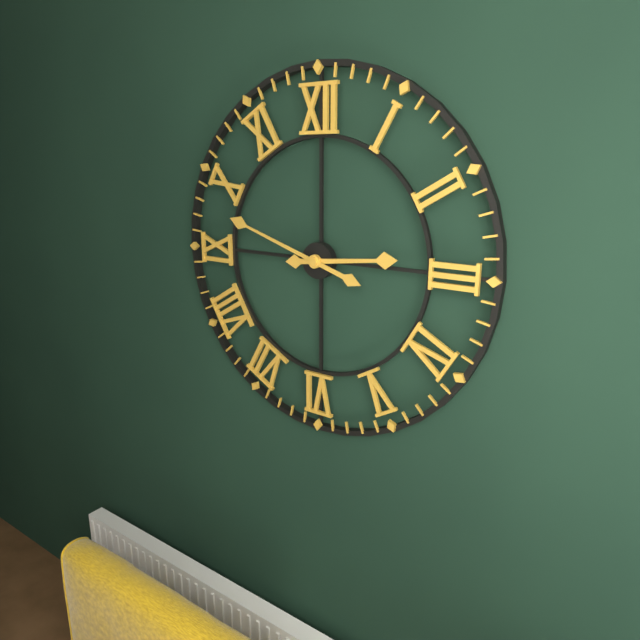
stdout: 2:48
